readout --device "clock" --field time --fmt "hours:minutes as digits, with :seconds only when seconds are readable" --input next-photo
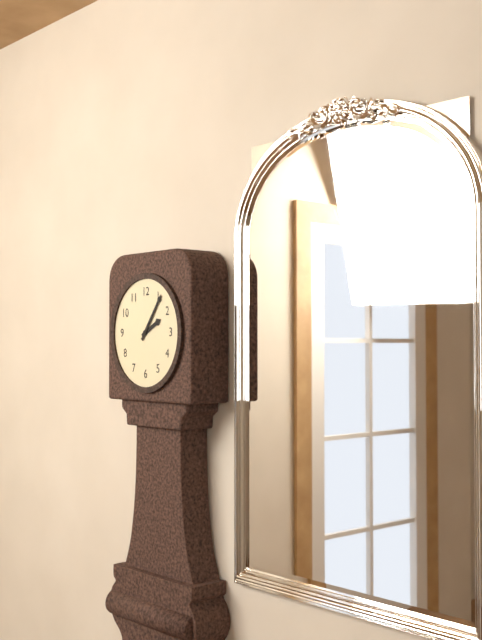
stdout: 2:06
